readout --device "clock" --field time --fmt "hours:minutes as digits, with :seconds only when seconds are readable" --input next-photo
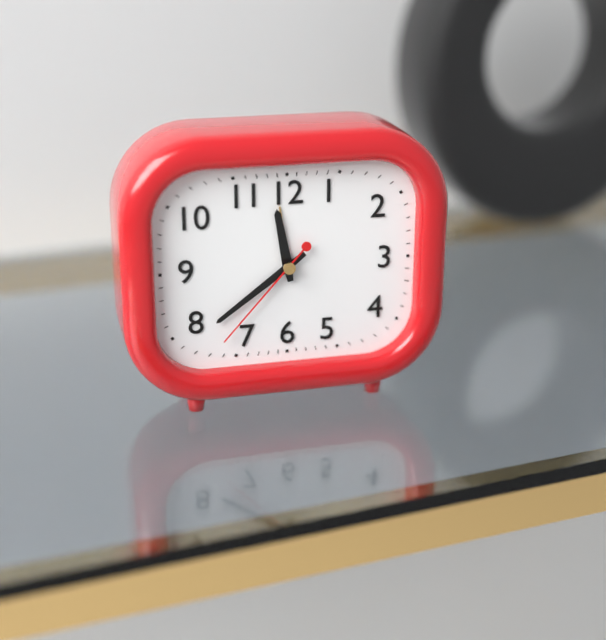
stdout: 11:39:37
